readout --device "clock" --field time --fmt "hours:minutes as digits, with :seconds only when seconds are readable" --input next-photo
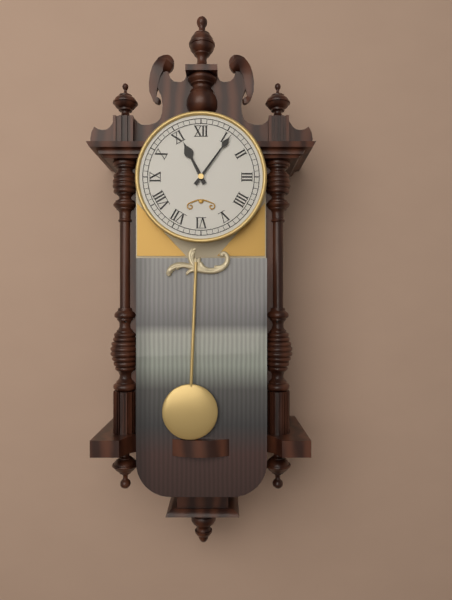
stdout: 11:06
